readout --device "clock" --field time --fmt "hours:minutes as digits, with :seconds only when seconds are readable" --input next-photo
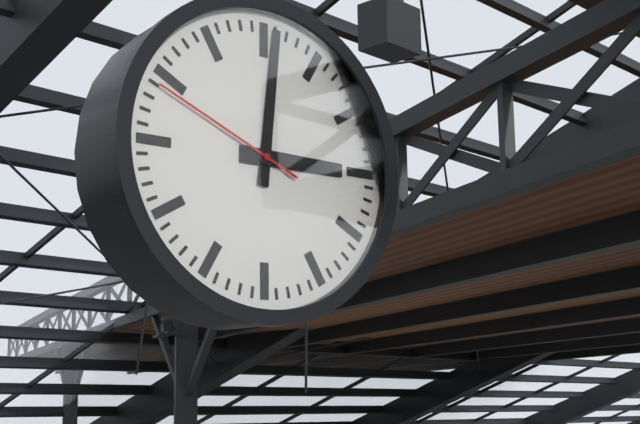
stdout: 3:01:49
